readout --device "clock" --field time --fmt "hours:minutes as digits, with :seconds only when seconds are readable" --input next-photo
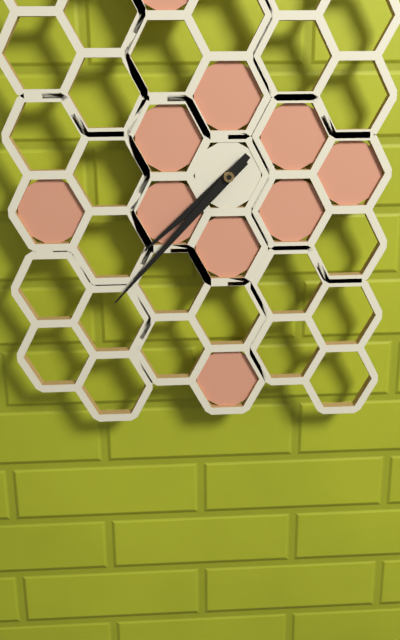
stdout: 7:37
